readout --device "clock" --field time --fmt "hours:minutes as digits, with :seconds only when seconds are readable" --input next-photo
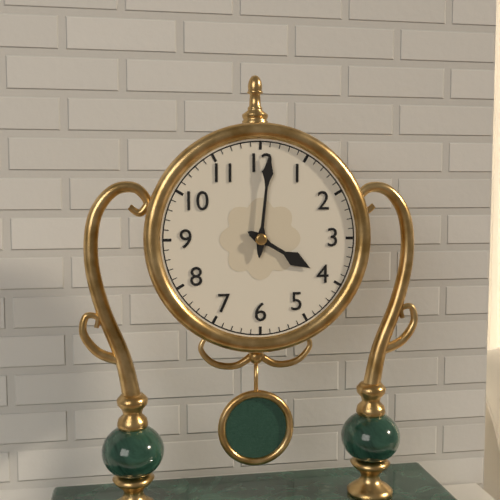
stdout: 4:01
